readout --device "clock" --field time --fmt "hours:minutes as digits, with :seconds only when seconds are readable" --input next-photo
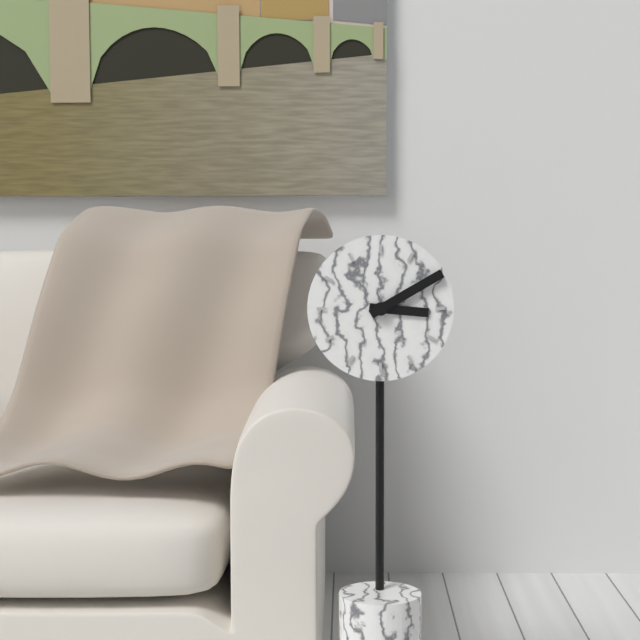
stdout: 3:10
